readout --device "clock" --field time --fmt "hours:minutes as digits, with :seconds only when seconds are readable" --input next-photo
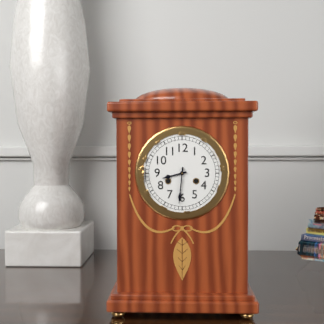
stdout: 8:31
